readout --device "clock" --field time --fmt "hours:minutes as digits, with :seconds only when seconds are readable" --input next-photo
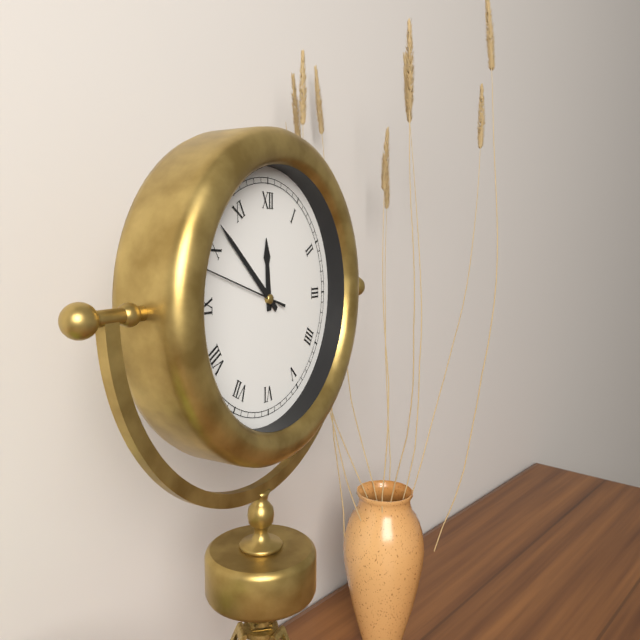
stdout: 11:52:48
